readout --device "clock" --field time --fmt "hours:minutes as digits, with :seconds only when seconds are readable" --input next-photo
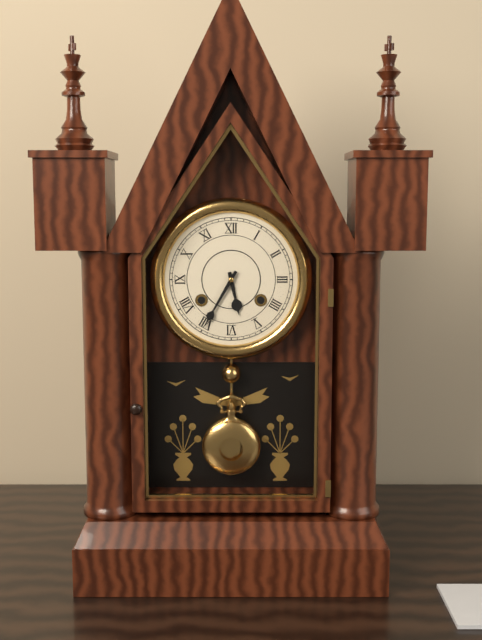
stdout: 5:35
